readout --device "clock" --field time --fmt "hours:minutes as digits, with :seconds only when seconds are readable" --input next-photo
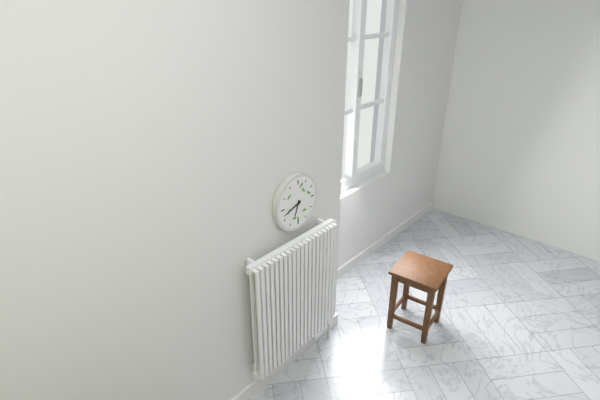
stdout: 6:42
